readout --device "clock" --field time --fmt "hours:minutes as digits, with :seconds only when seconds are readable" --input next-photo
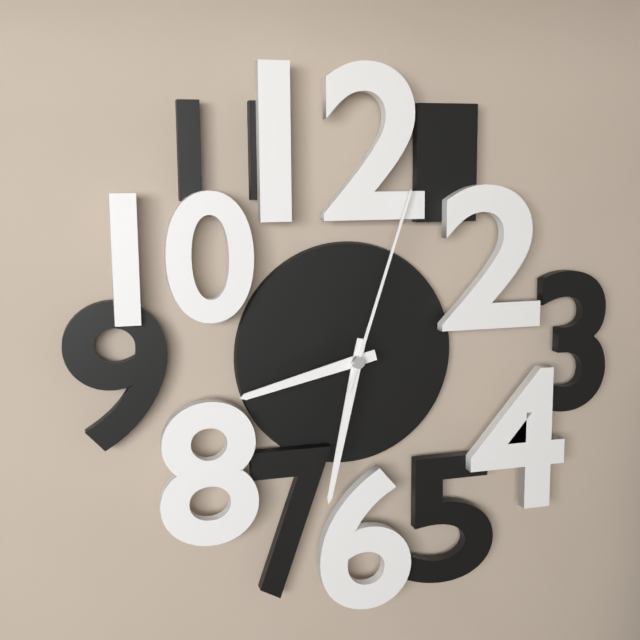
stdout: 8:32:03
